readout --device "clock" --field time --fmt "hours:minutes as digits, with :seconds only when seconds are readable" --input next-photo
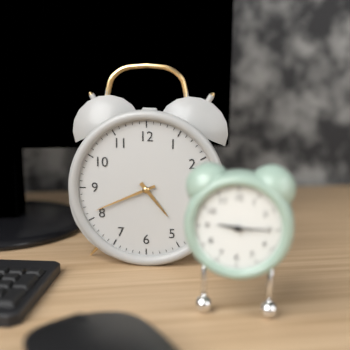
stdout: 4:41
